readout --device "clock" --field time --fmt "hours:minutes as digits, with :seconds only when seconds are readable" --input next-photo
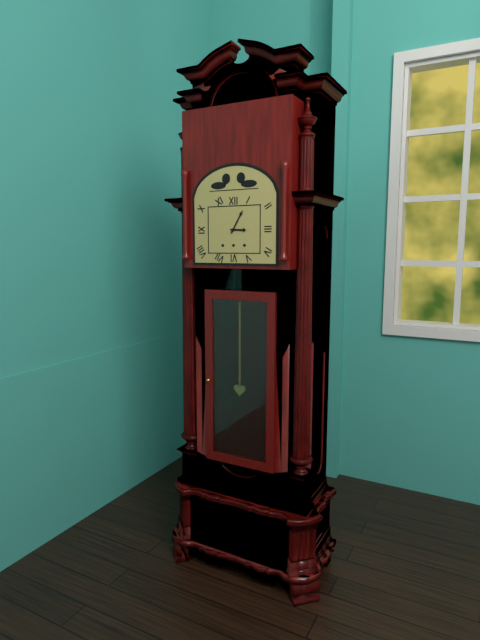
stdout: 3:05
